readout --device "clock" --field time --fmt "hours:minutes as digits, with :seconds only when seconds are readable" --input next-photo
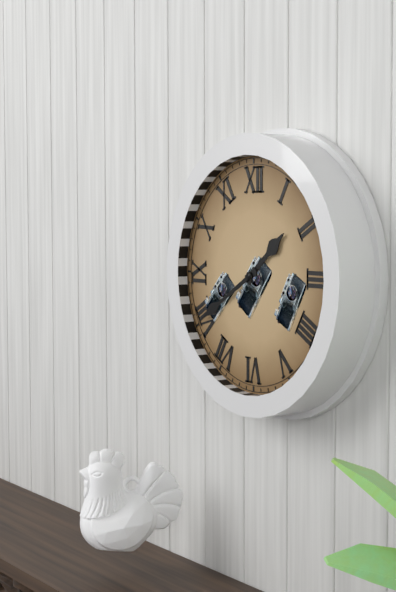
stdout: 1:40
